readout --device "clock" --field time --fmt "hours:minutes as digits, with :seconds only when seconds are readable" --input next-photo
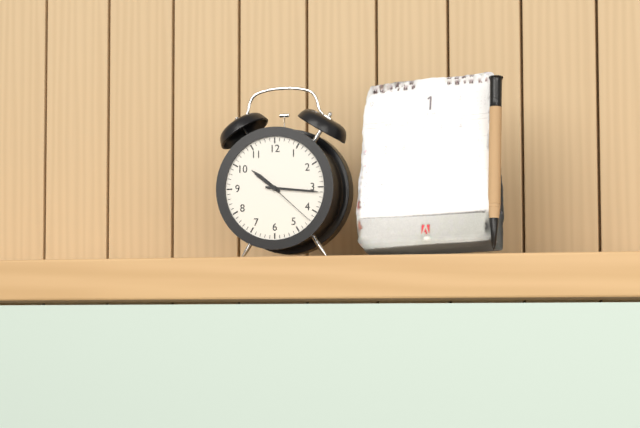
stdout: 10:16:22
